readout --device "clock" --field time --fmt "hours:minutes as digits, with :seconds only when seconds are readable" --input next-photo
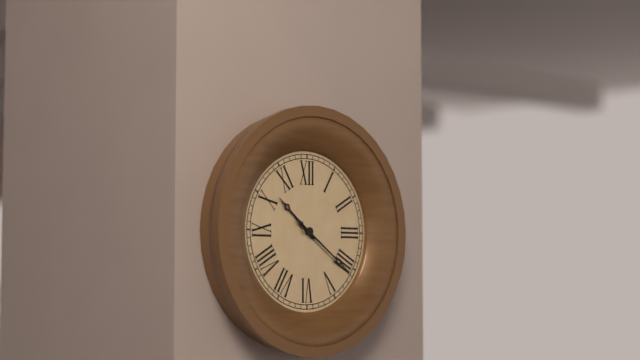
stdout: 10:21
